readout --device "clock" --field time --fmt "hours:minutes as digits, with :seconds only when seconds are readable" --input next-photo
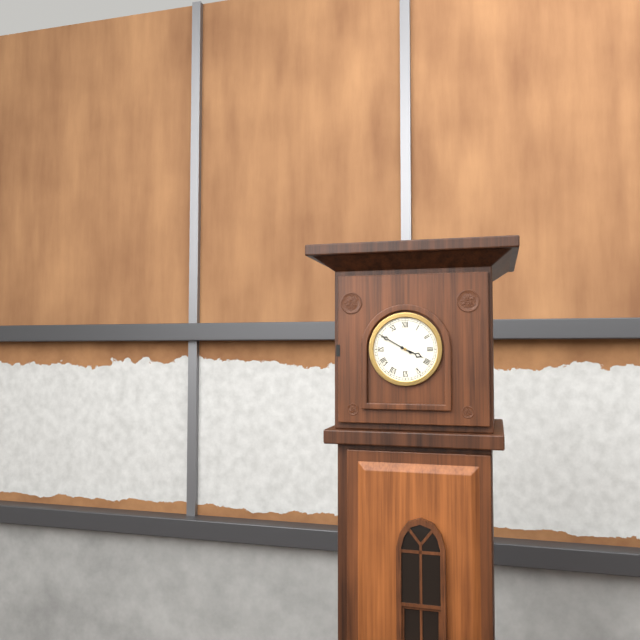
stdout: 3:50
